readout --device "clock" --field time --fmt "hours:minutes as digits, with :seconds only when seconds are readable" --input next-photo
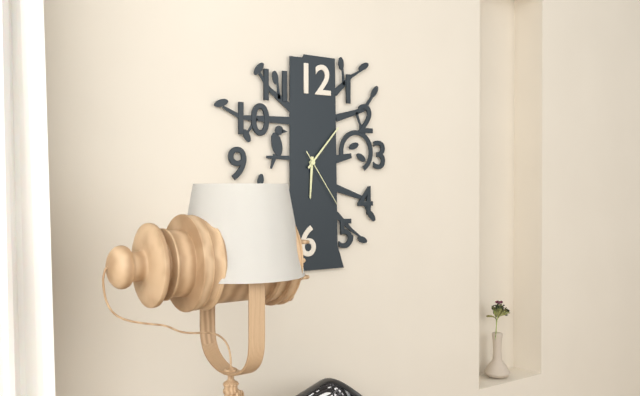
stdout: 6:07:24
